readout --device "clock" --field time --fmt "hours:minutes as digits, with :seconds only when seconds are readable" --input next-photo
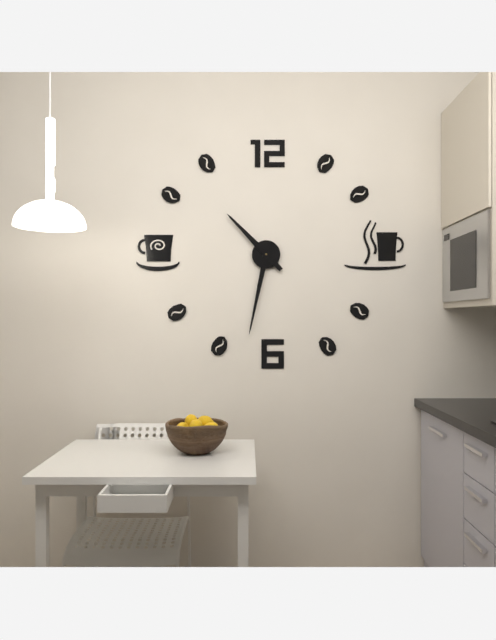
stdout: 10:32
